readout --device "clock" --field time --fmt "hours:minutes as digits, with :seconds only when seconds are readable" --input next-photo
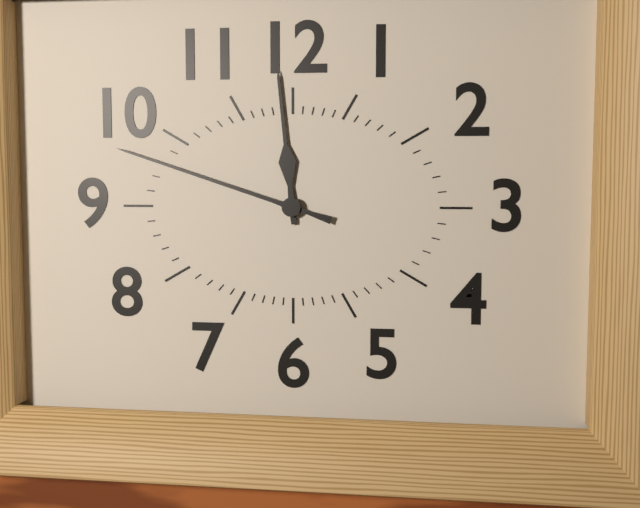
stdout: 11:48
